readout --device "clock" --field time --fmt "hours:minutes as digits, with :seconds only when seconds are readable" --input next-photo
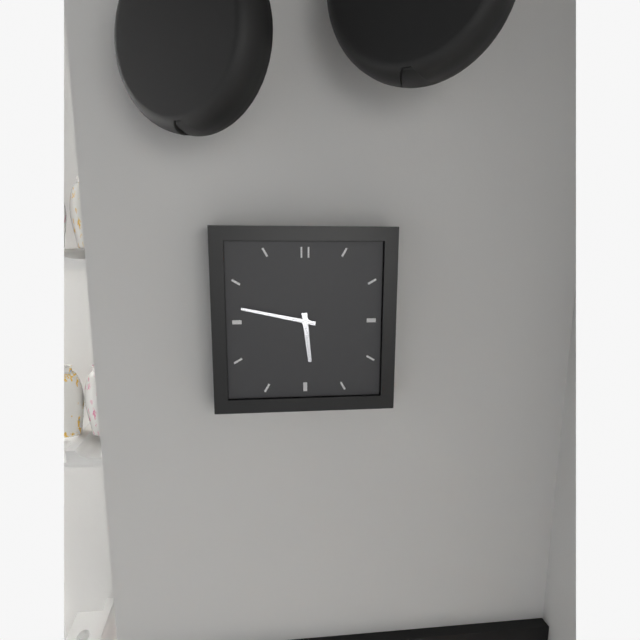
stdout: 5:47
